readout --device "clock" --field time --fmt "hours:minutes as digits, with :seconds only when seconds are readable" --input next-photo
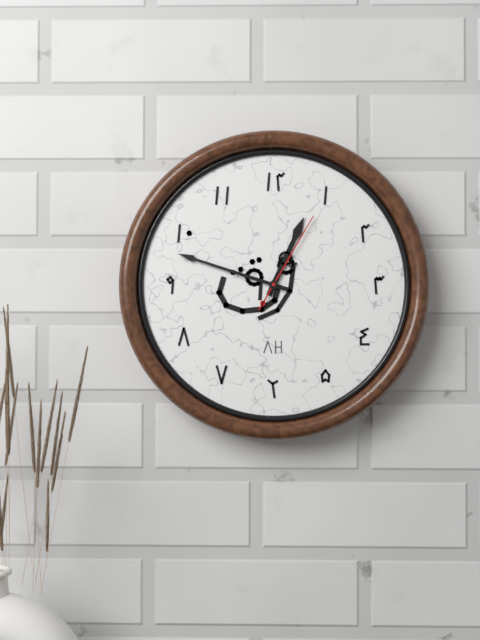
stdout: 12:48:05
